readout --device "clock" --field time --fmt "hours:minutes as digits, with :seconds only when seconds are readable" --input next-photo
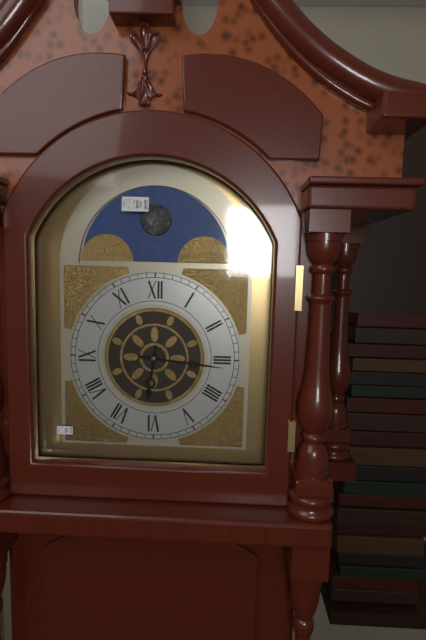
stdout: 6:16
